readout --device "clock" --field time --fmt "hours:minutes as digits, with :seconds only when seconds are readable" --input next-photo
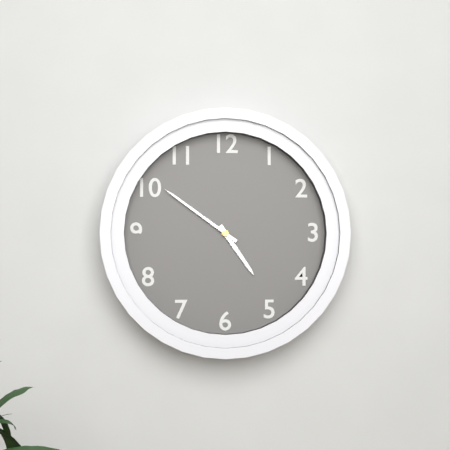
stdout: 4:51
